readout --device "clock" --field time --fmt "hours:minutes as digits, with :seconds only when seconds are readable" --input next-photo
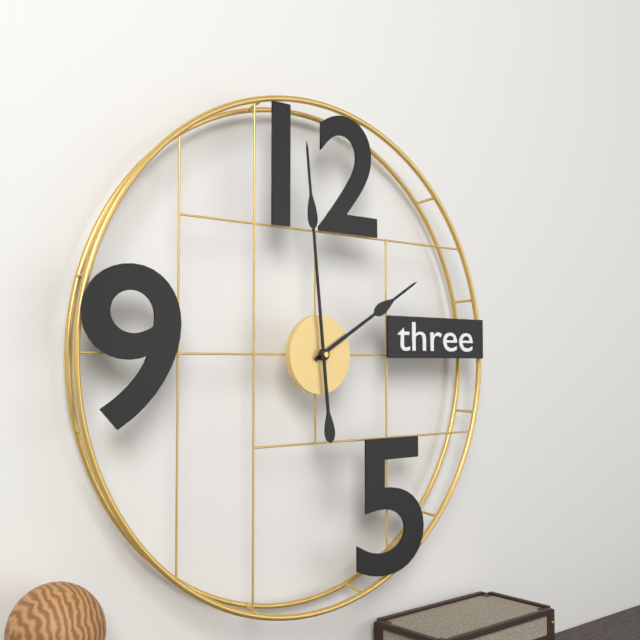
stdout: 1:59
